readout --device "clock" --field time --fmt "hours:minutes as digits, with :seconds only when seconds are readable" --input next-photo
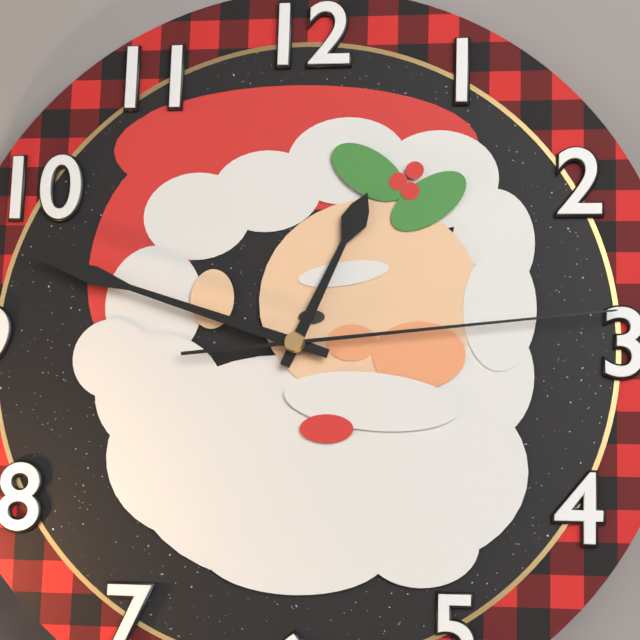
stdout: 12:48:14
